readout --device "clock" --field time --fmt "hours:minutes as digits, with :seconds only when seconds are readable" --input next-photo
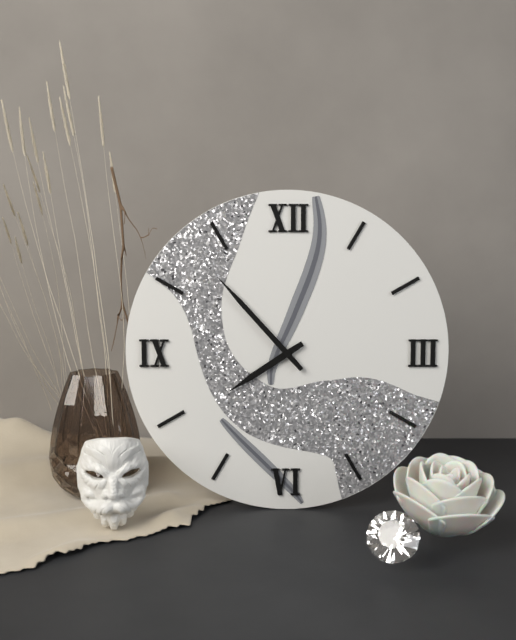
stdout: 7:53
